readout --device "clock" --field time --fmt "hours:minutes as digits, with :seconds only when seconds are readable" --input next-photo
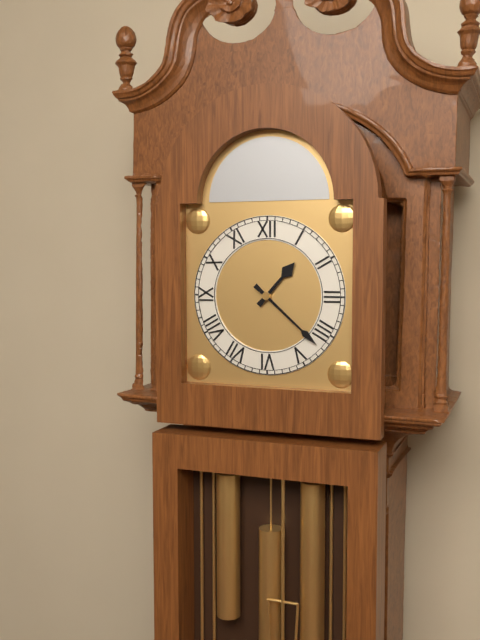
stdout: 1:22
